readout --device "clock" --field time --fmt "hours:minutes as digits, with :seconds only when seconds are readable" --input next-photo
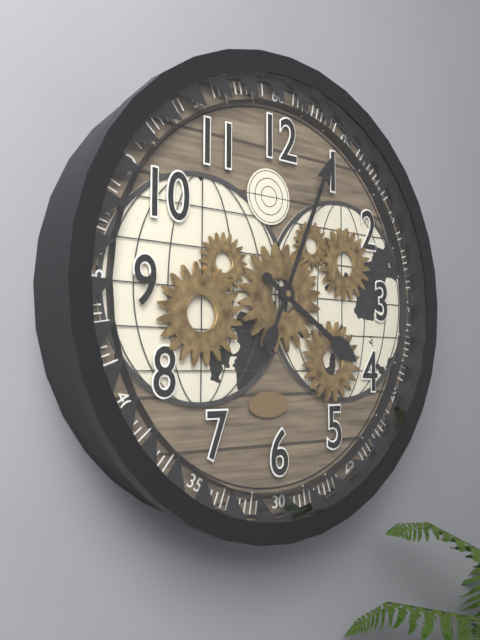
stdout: 4:04
